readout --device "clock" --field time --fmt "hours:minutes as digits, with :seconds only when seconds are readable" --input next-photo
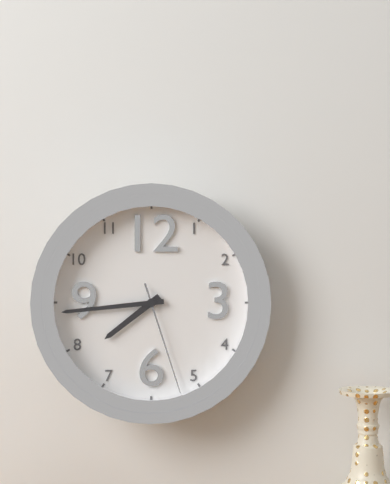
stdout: 7:44:27
